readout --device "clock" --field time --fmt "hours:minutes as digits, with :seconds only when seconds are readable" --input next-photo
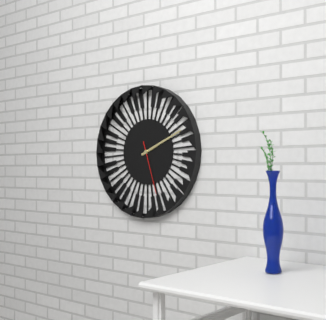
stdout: 2:11:27
